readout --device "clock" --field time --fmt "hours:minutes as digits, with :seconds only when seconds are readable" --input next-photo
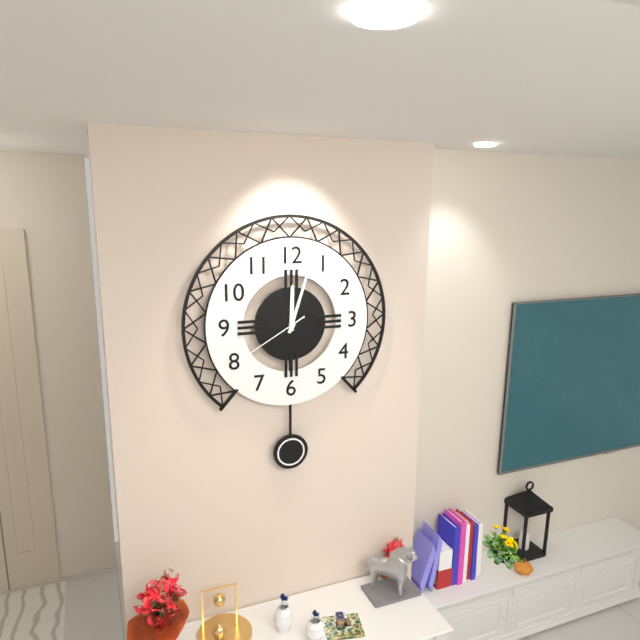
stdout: 12:03:40
